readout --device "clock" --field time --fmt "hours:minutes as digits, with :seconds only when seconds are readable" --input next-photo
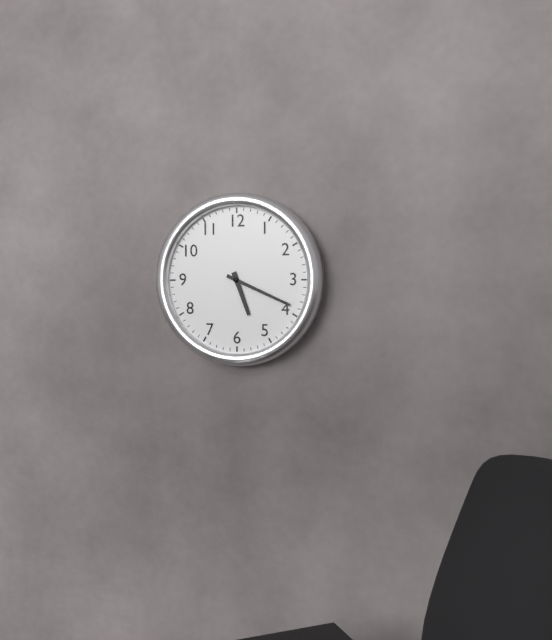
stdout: 5:19
